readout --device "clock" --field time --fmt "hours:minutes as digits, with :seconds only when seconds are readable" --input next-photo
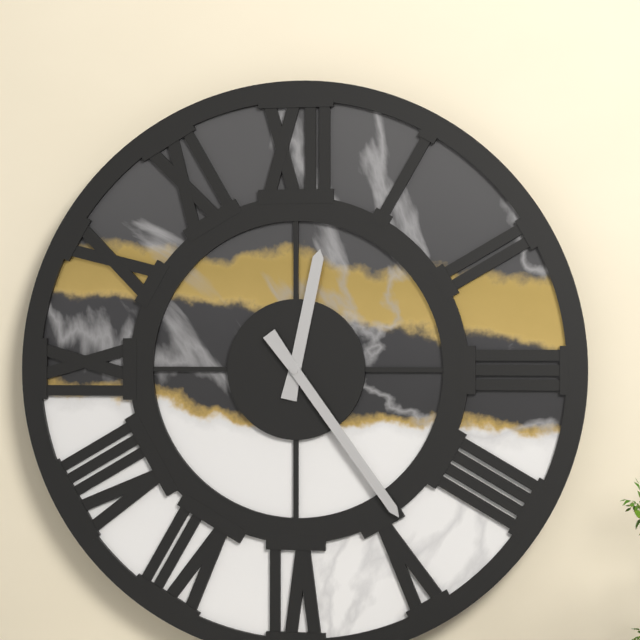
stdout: 12:24
